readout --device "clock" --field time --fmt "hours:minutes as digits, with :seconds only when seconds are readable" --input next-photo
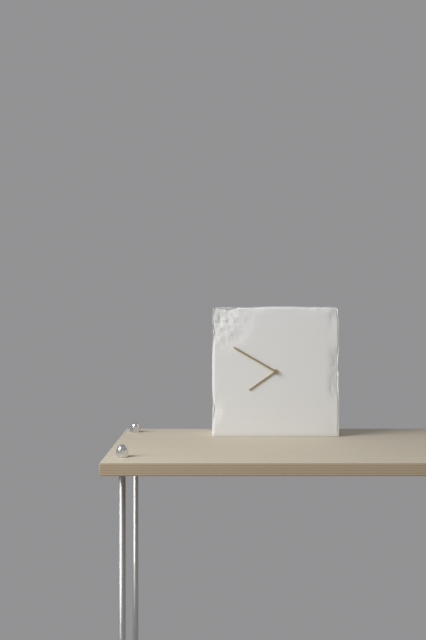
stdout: 7:50
